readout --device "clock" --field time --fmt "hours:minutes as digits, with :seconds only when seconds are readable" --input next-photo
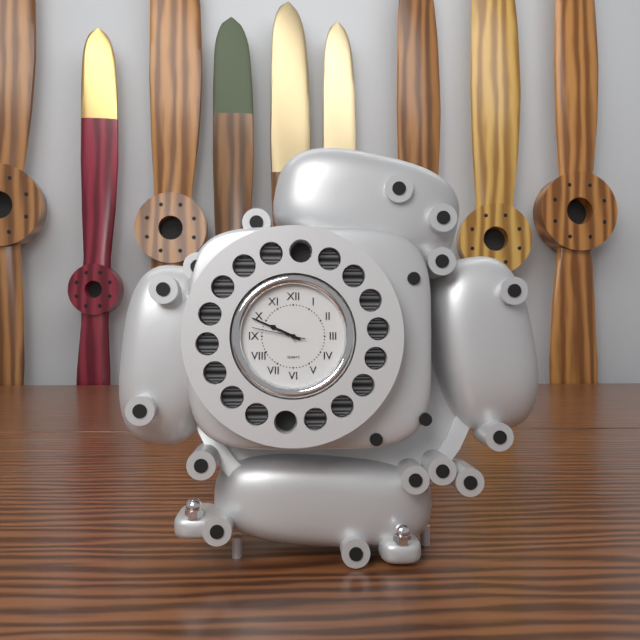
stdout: 9:49:47
